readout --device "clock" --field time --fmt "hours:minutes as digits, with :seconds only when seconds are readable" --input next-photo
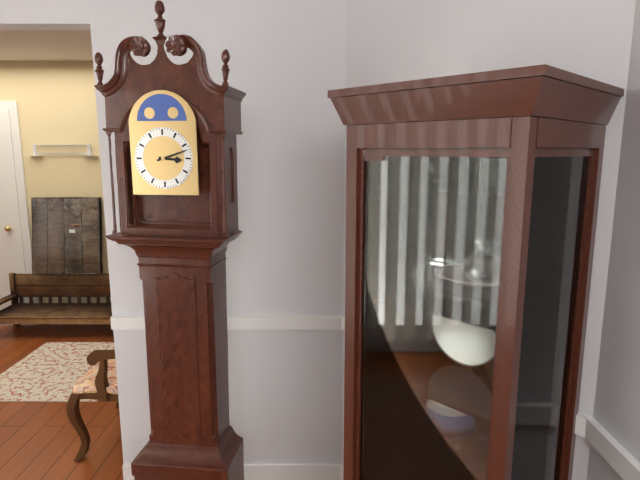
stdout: 3:12
